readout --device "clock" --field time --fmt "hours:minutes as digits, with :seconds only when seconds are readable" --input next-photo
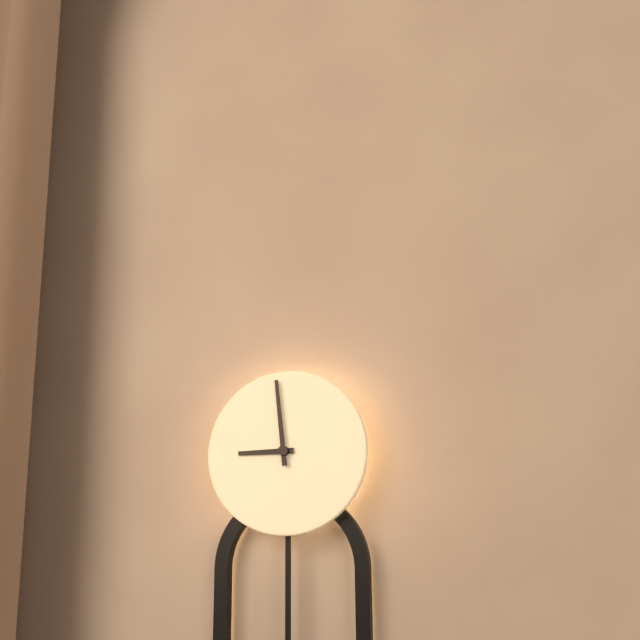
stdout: 8:59
